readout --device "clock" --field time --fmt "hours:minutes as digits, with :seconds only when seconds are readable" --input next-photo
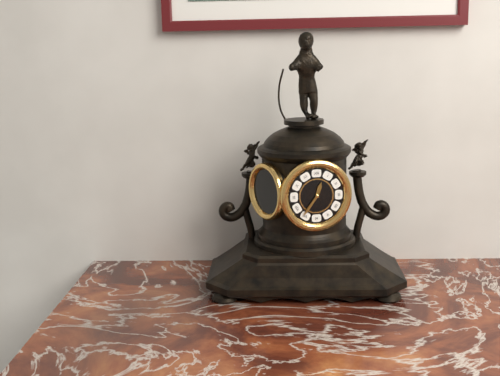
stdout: 12:36
